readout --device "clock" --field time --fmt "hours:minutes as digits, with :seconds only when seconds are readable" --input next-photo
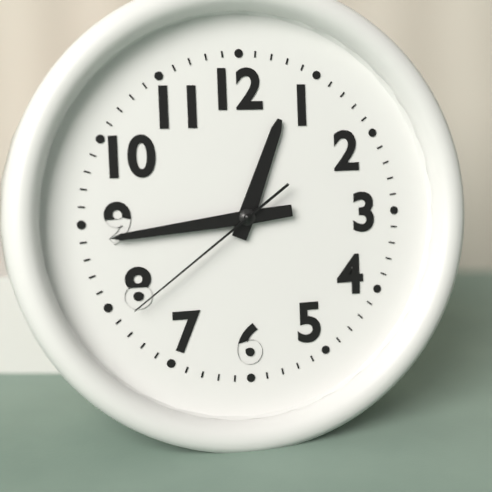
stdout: 12:44:39
